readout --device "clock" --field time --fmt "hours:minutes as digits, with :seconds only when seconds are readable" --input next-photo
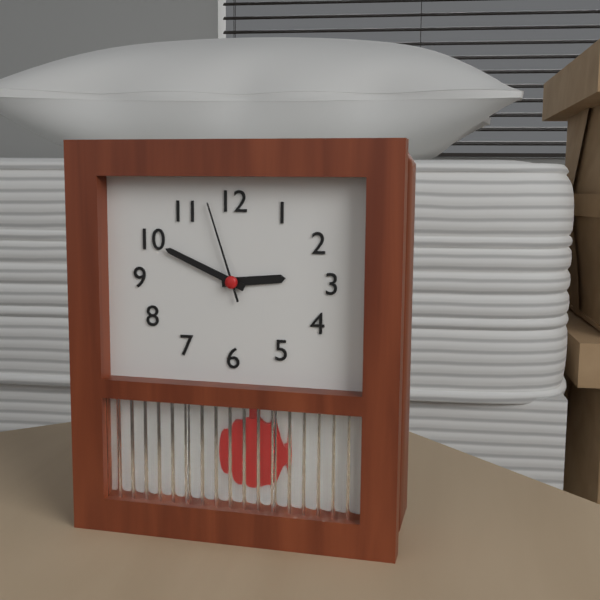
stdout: 2:49:57
